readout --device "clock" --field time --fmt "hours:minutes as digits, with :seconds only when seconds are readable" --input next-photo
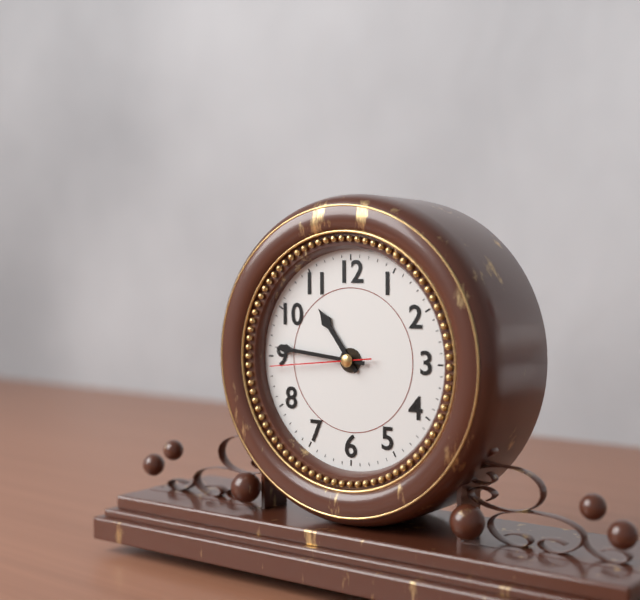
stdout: 10:46:44
